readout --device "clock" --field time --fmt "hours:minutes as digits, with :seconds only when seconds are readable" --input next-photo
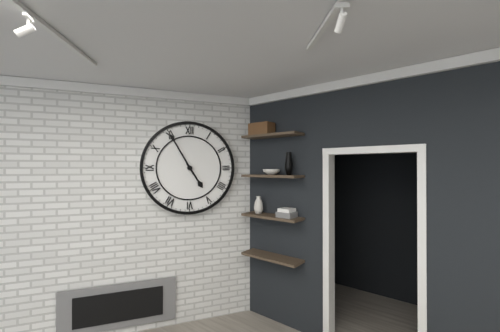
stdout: 4:55
